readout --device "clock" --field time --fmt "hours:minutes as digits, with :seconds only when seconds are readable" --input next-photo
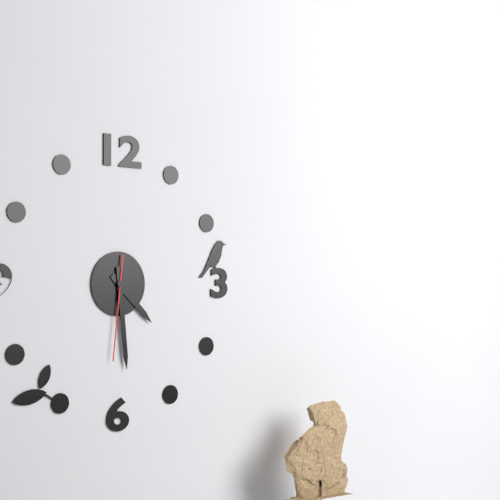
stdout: 4:29:31
